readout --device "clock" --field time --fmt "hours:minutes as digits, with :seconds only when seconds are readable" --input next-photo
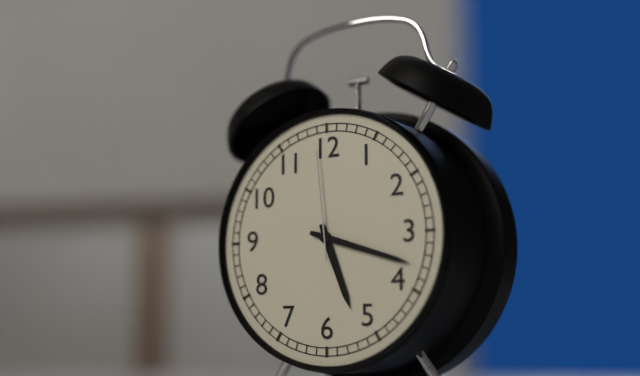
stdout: 5:18:59
